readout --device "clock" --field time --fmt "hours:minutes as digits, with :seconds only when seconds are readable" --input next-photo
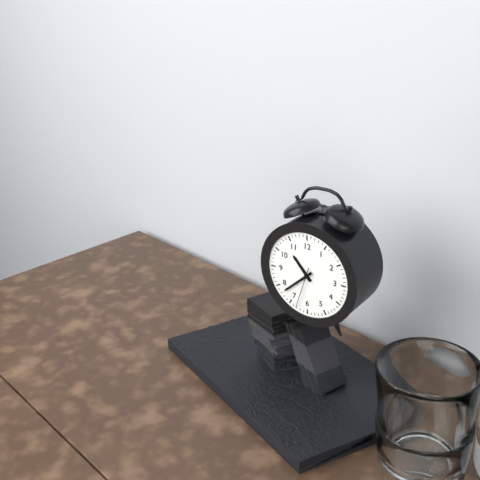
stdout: 10:38
